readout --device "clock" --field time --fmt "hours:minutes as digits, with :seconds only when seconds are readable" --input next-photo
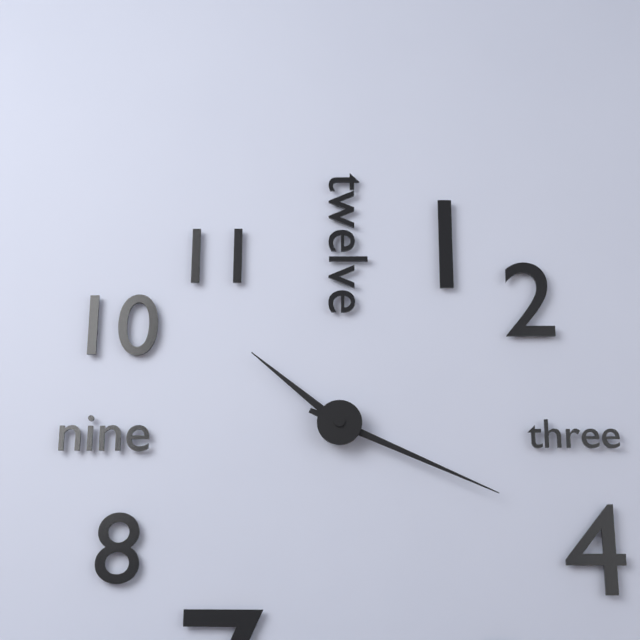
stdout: 10:19
